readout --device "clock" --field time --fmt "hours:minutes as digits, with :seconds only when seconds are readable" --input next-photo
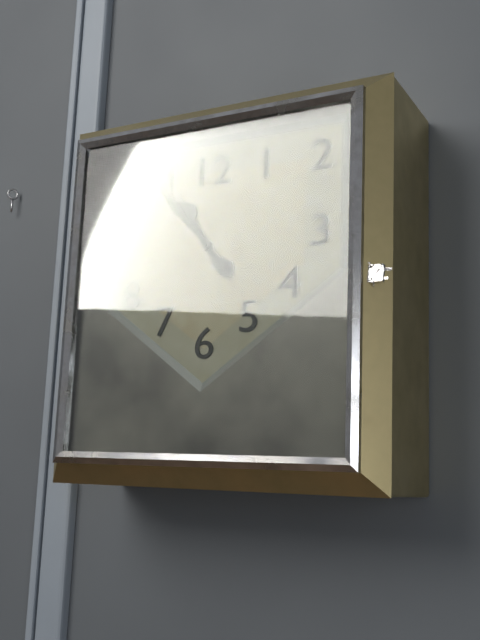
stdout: 10:53
